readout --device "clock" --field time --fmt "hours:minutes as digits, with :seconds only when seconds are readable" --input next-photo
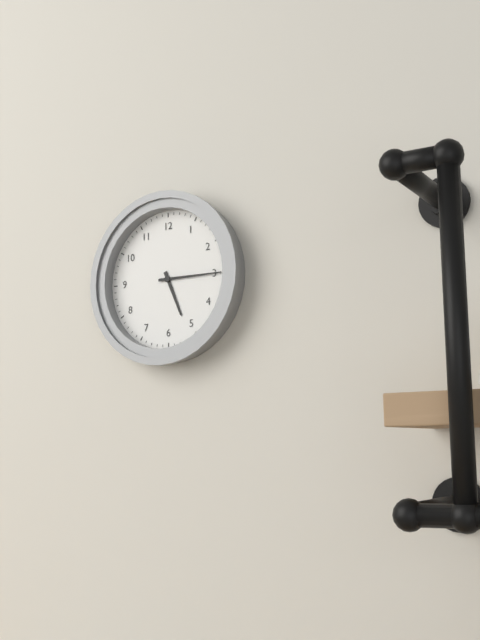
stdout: 5:15
